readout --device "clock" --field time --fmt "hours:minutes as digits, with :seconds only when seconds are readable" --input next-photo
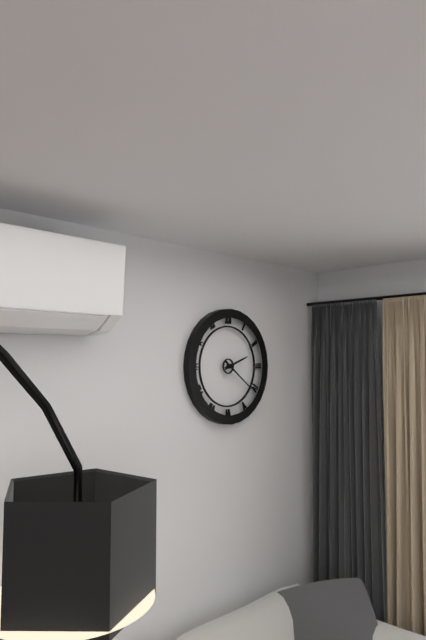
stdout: 2:21
